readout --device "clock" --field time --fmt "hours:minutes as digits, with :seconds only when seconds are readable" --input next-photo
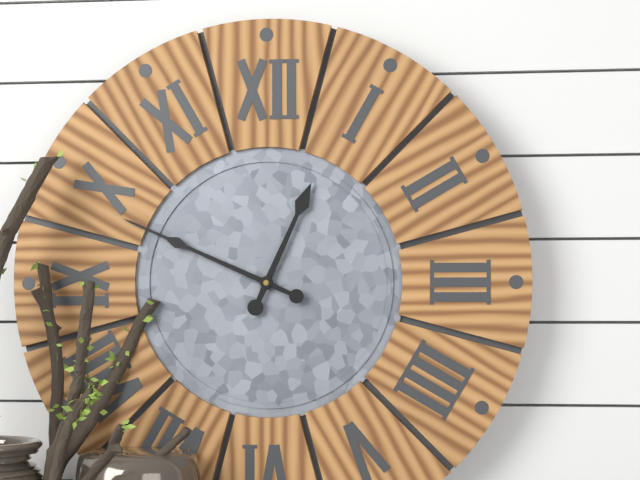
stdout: 12:49
